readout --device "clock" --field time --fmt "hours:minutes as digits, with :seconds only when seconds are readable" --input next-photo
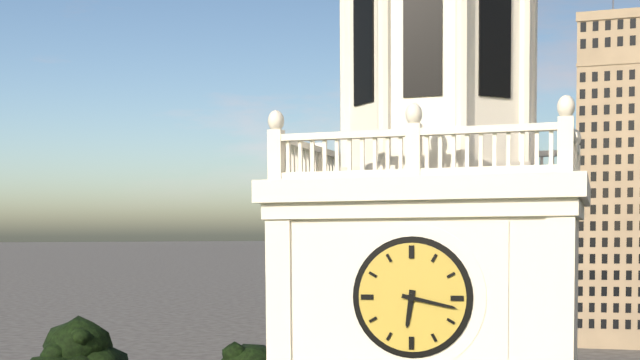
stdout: 6:17
